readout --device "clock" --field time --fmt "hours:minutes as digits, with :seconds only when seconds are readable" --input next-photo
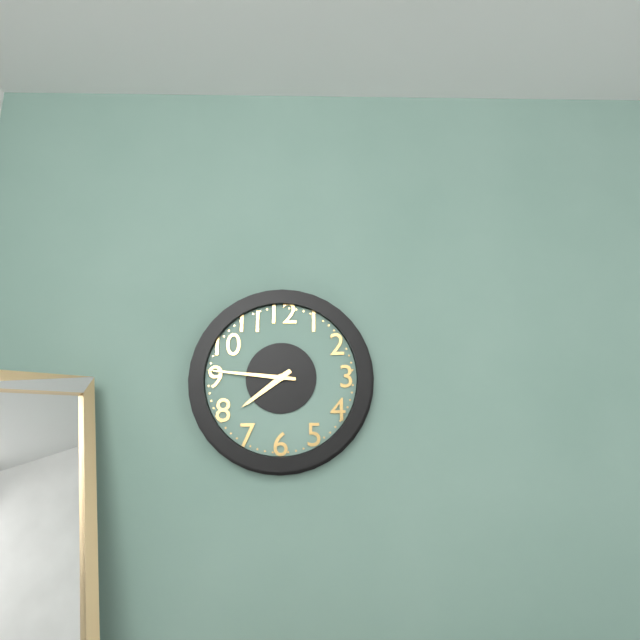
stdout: 7:46
